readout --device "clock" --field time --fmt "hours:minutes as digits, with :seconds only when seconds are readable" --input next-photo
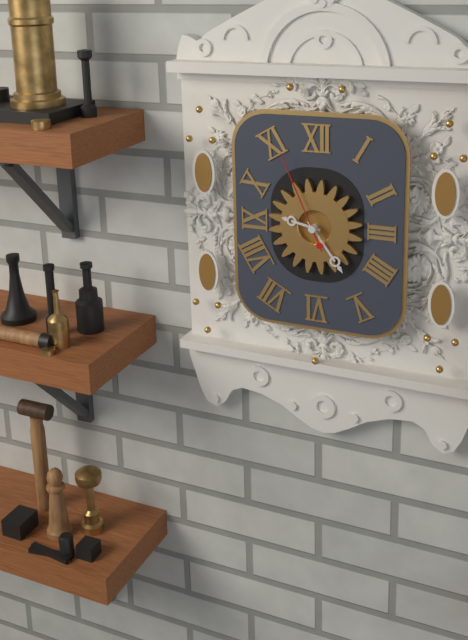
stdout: 9:24:56
